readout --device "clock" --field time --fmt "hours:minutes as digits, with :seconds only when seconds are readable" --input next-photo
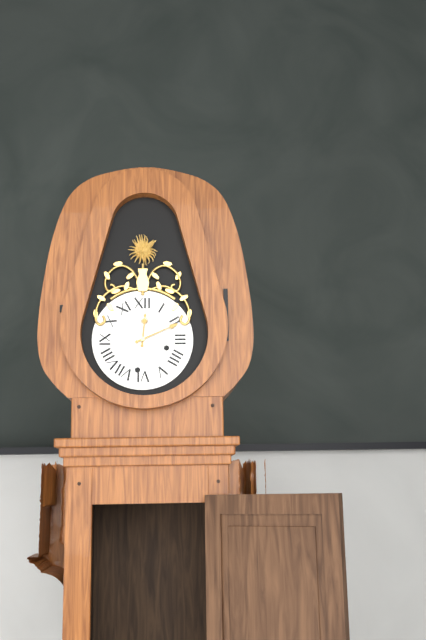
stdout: 12:11
